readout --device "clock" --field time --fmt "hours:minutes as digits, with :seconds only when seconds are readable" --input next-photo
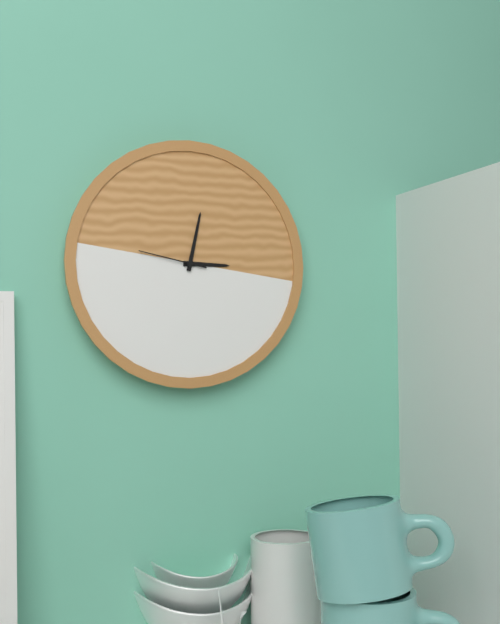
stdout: 3:02:47
